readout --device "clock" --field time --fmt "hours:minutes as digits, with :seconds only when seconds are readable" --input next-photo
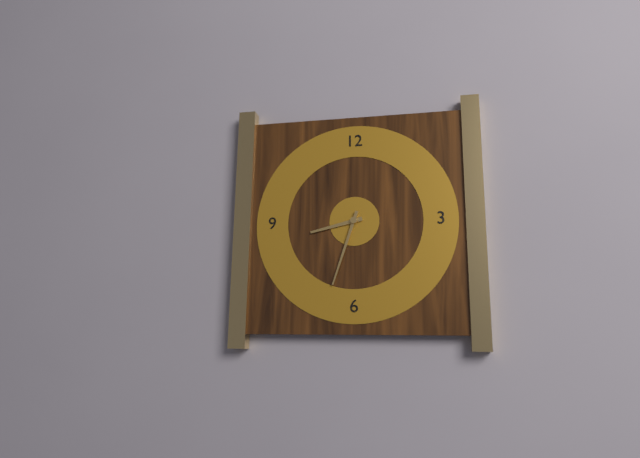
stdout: 8:33
